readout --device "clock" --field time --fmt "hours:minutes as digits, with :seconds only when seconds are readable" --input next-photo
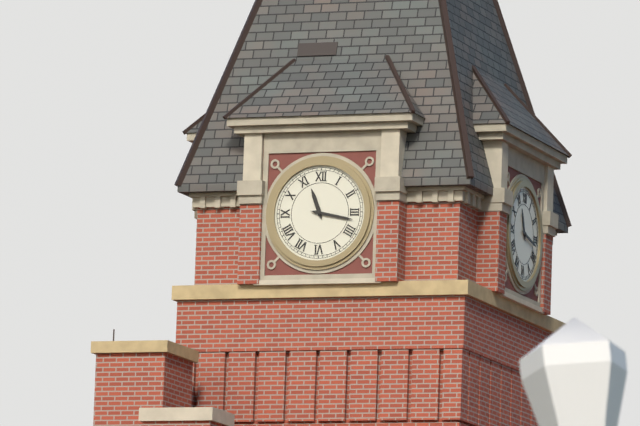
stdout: 11:17
